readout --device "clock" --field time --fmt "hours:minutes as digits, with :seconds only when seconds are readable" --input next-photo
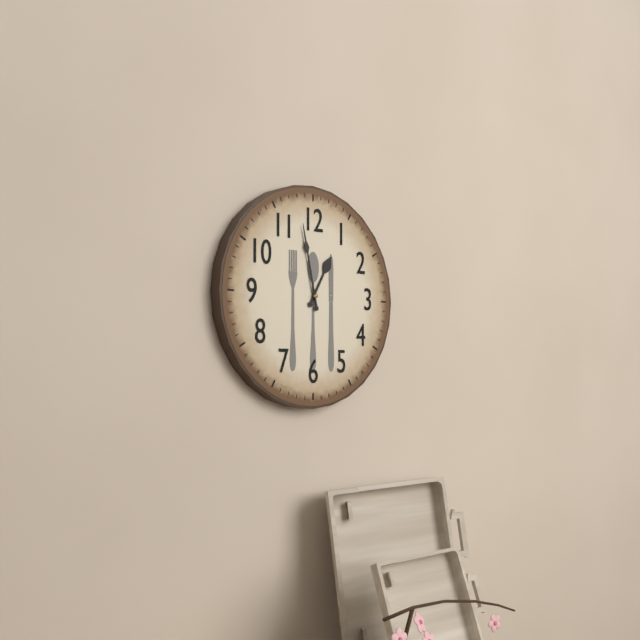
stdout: 12:58
